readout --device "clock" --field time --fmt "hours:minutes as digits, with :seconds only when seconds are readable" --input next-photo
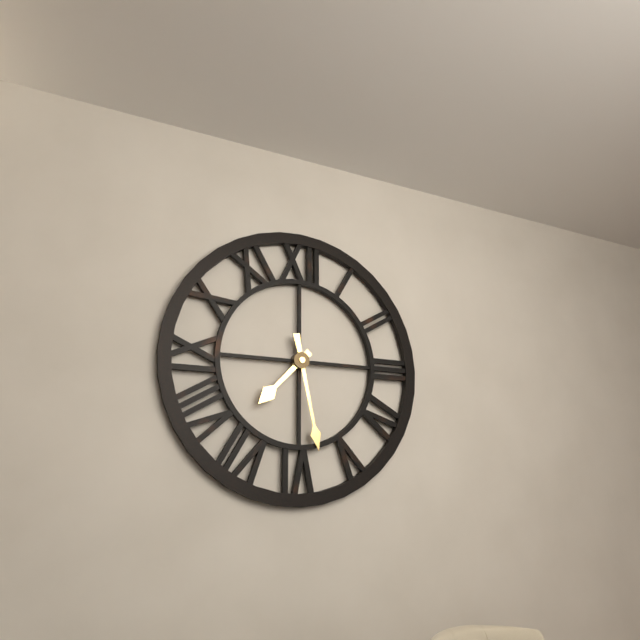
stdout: 7:28
